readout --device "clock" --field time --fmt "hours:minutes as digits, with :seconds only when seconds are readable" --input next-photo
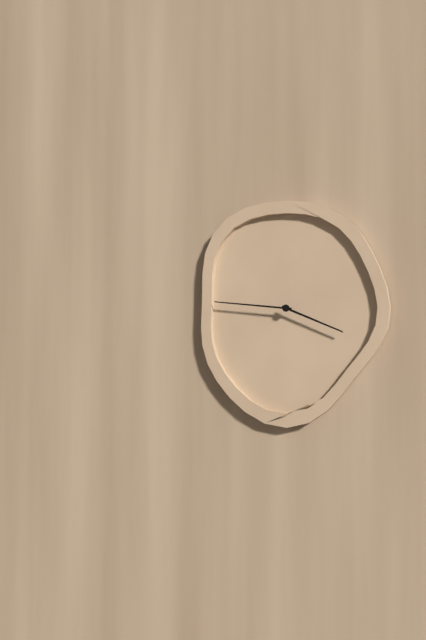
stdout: 3:46
